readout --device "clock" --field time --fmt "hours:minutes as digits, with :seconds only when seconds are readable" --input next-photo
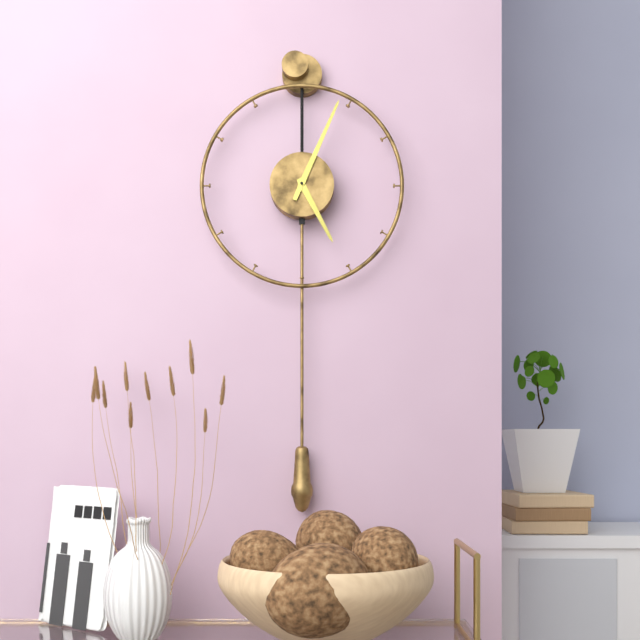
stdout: 5:04
